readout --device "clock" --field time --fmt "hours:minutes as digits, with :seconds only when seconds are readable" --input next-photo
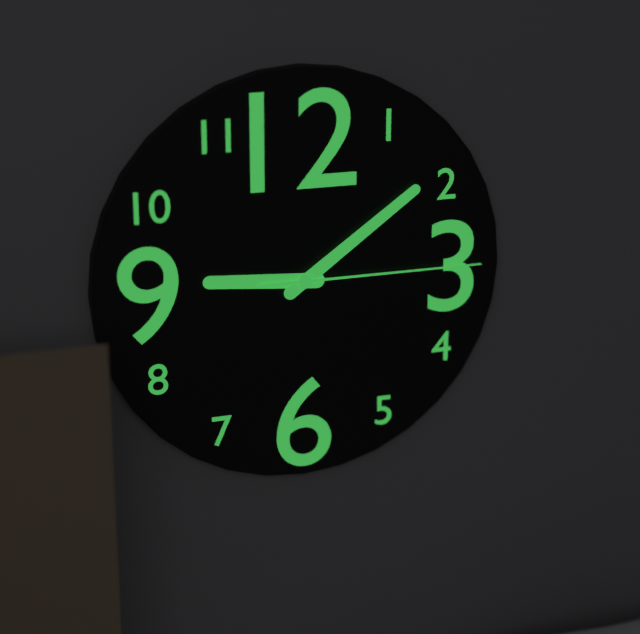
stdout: 9:09:15
